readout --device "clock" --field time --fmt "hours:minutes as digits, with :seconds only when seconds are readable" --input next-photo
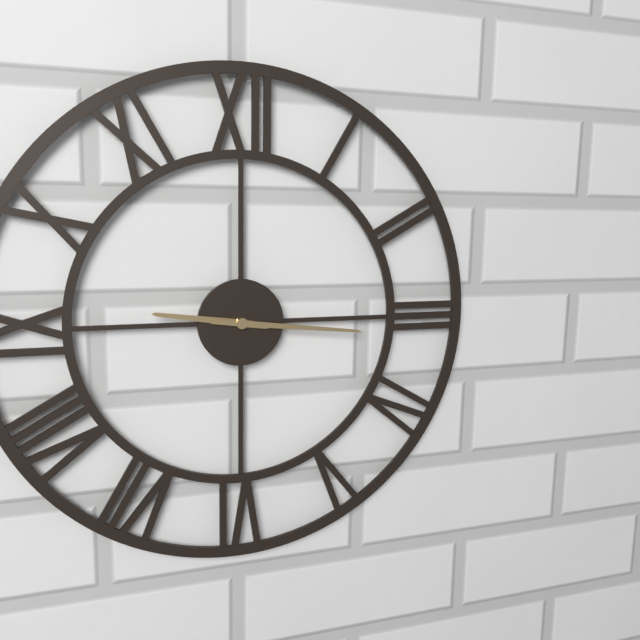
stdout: 9:16
